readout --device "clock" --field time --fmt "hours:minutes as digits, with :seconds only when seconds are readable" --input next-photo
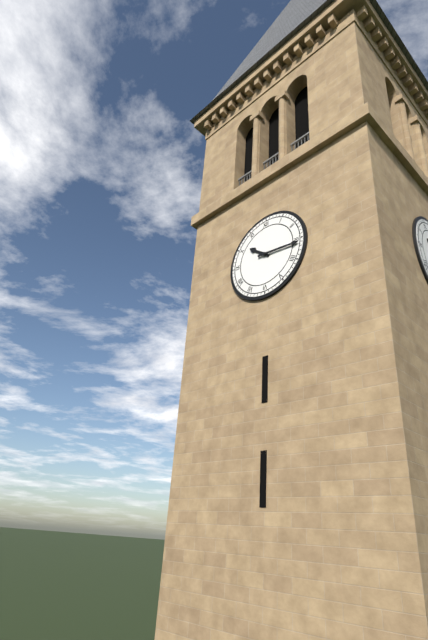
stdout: 10:16
